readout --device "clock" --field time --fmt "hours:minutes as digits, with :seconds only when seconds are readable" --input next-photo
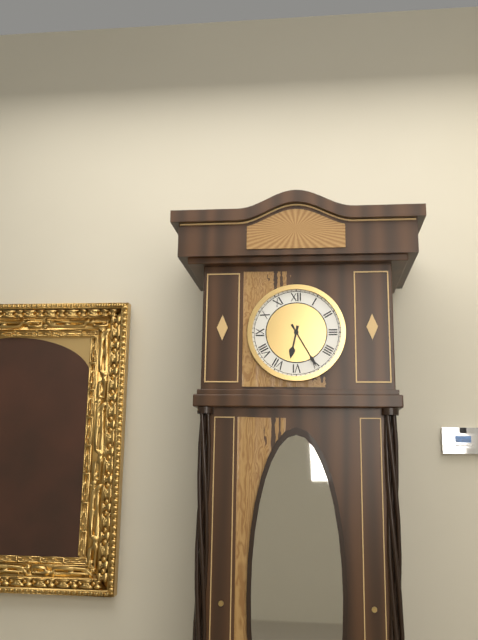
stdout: 6:25
